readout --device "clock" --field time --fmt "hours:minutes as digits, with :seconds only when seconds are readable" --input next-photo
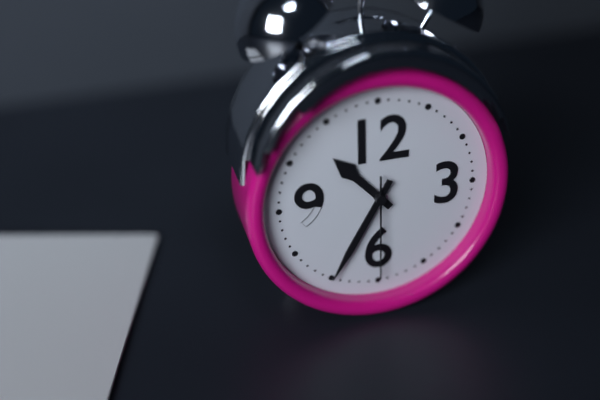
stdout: 10:35:30
